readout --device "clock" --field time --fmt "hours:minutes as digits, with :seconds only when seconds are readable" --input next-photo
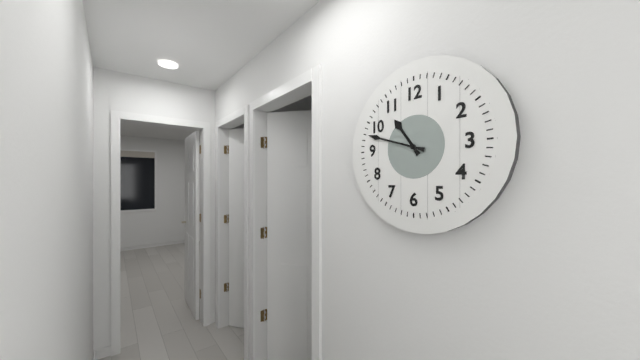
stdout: 10:48
